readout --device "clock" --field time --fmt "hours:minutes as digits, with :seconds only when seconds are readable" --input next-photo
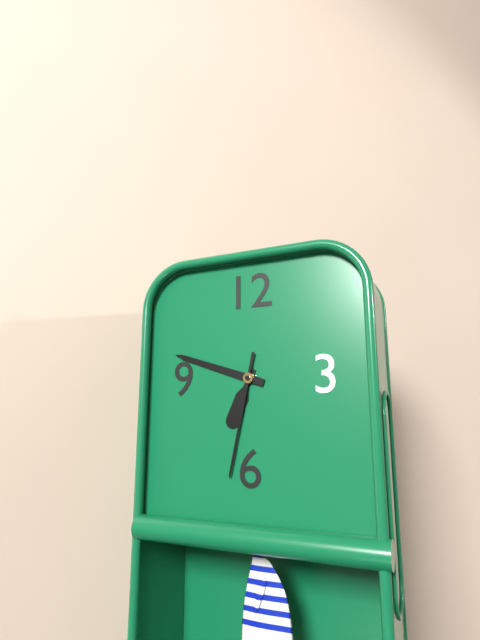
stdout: 6:48:32
